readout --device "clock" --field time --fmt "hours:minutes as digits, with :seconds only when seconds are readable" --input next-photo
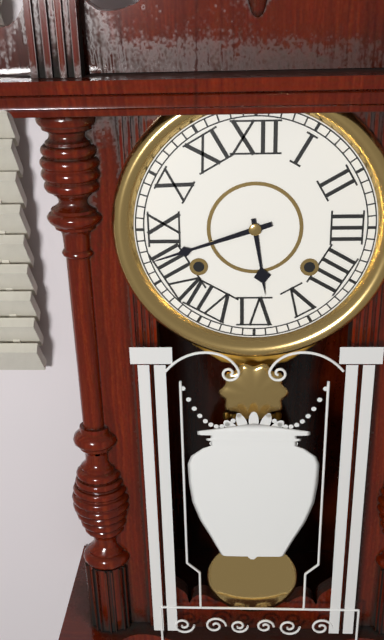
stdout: 5:42
